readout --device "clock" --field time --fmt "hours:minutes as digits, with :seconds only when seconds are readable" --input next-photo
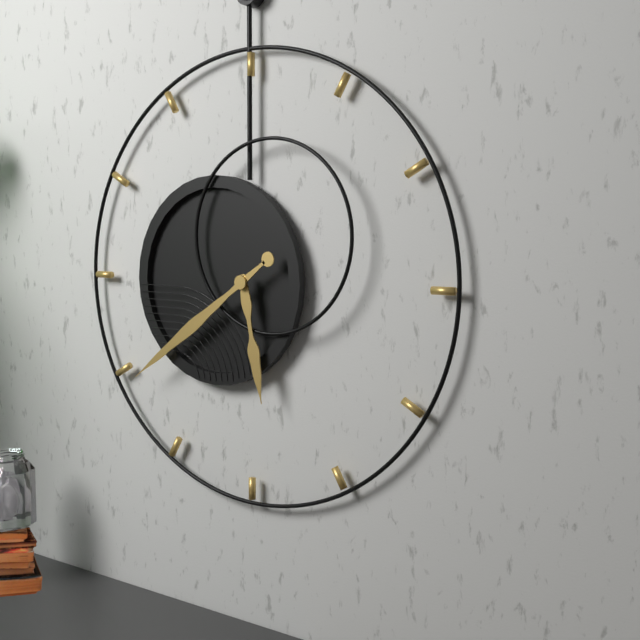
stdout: 5:39
